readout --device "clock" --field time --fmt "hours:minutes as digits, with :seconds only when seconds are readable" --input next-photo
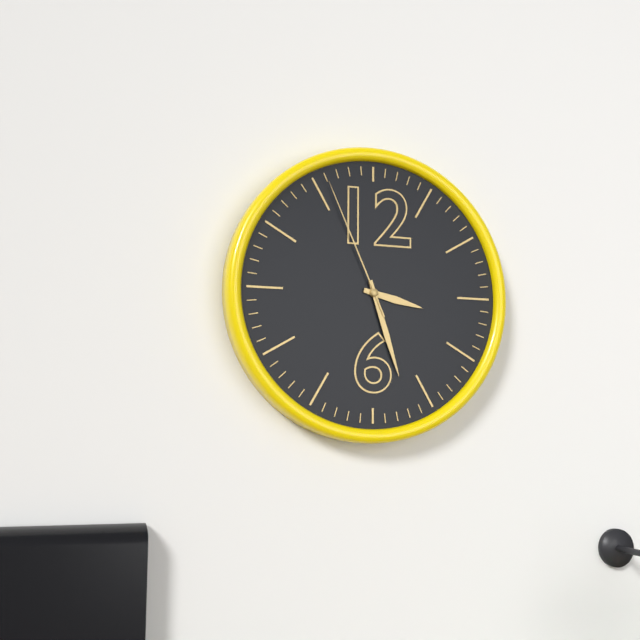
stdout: 3:27:56
